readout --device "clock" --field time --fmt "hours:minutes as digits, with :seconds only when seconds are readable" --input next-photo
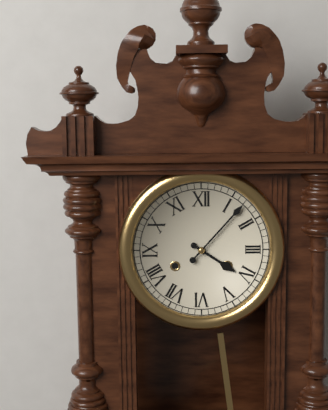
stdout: 4:07
